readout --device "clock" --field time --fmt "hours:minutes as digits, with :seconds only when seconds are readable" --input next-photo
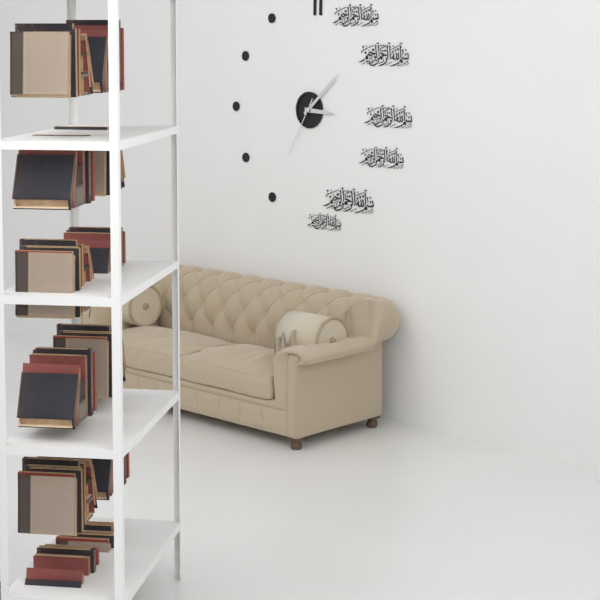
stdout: 3:08:35
